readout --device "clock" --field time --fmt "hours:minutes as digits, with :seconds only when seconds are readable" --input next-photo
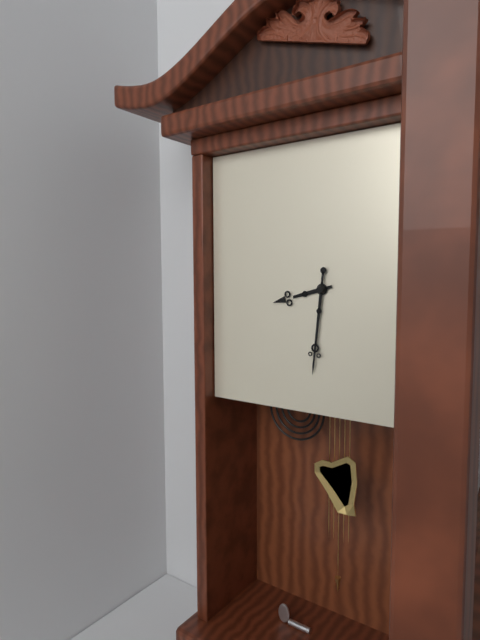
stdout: 8:31
